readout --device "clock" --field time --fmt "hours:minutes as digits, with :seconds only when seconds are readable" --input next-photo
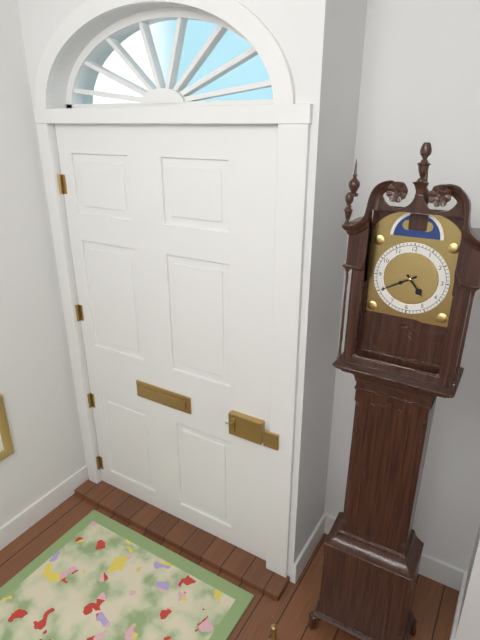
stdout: 4:40
